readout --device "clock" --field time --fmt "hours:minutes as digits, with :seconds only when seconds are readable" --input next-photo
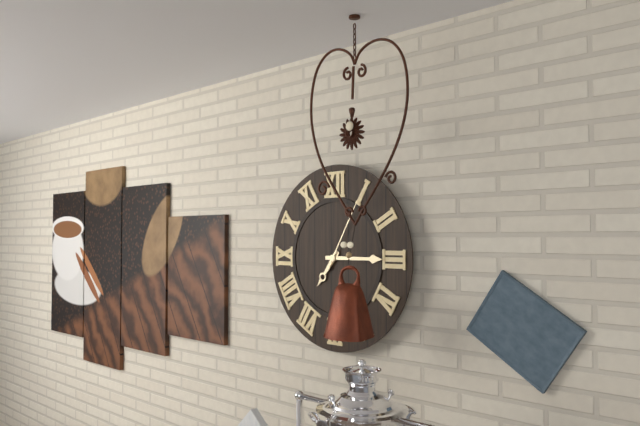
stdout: 7:15:05
